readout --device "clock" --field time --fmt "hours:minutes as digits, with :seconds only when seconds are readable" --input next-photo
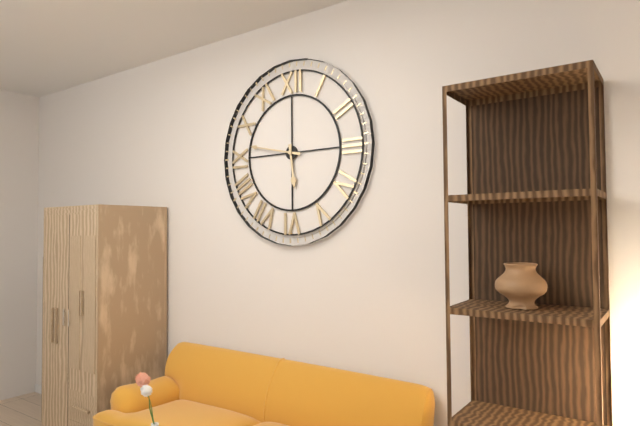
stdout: 5:47
